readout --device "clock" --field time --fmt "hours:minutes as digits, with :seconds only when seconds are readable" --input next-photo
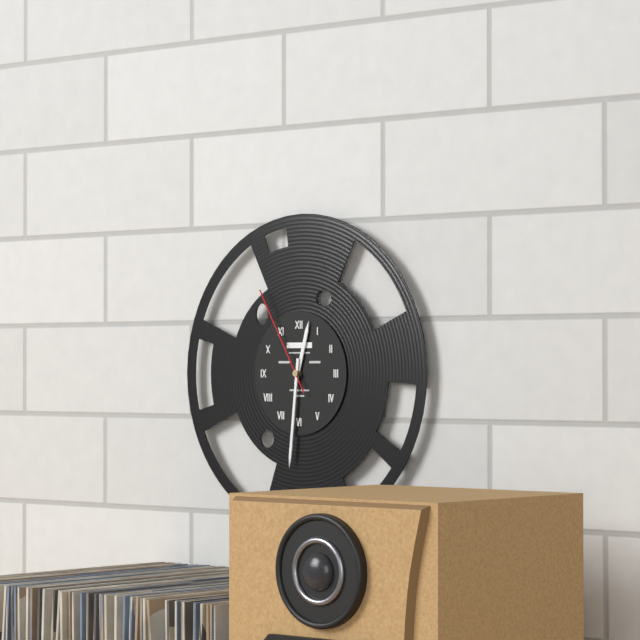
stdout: 12:31:55
